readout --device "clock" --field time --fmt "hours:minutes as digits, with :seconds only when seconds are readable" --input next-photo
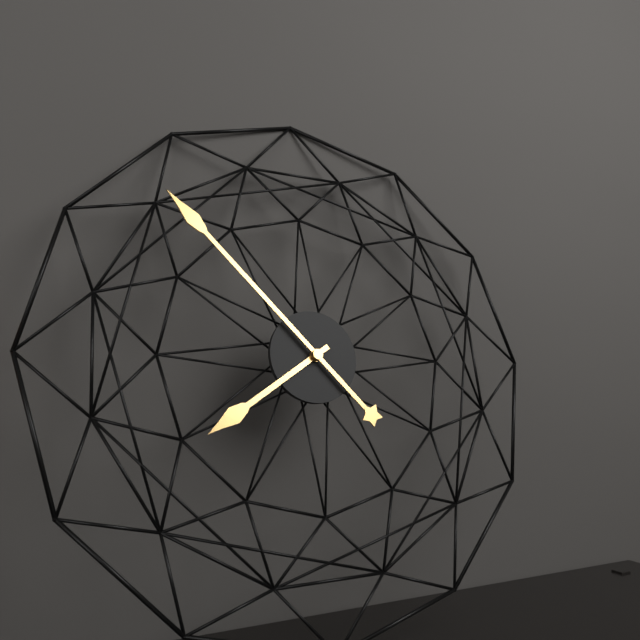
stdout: 7:53
